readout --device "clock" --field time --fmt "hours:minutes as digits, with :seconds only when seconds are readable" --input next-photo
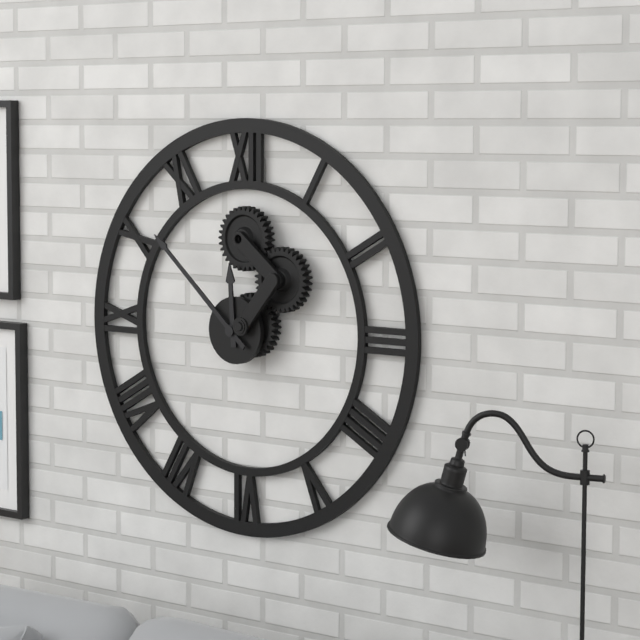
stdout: 11:52
